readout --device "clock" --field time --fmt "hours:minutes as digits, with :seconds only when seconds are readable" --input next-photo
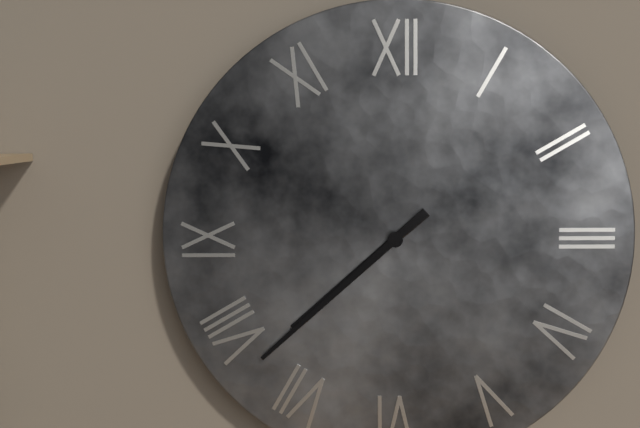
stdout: 7:38
